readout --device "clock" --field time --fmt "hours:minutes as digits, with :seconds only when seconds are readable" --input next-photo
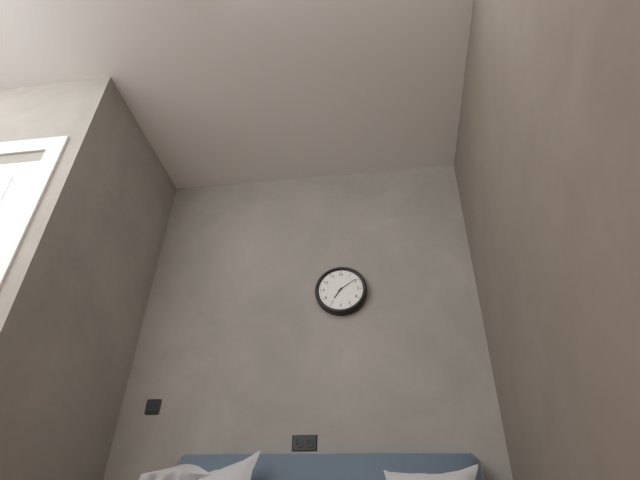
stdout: 7:09
